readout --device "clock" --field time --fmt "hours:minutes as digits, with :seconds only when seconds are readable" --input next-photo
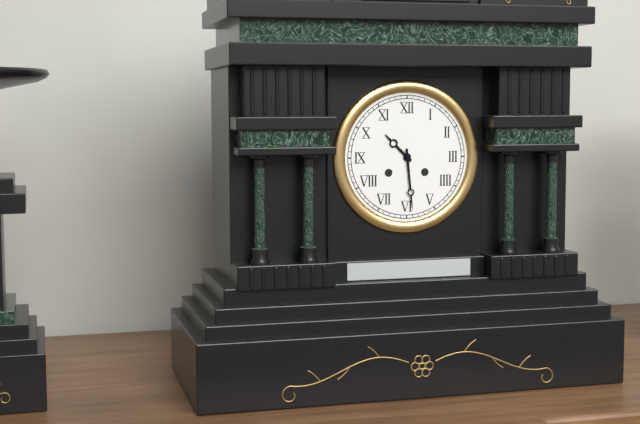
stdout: 10:29
